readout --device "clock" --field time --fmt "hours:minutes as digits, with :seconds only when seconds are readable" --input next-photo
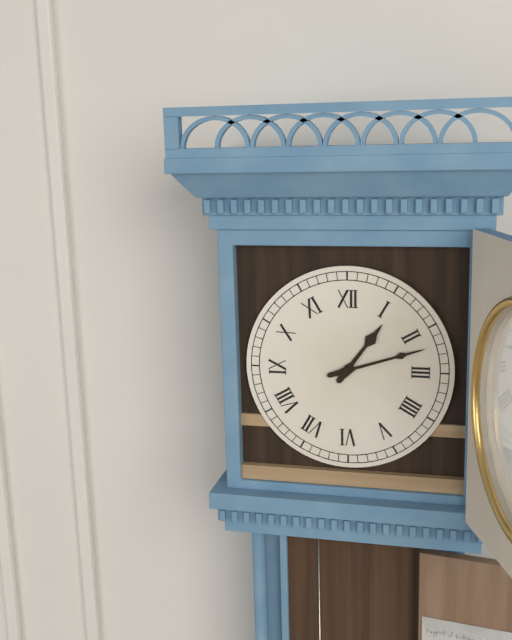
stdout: 1:12
